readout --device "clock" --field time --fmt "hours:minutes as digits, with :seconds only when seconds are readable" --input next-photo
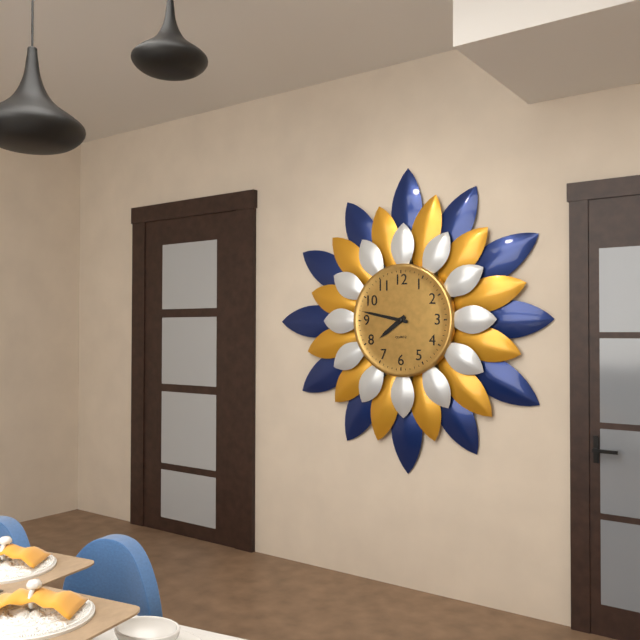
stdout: 7:47
